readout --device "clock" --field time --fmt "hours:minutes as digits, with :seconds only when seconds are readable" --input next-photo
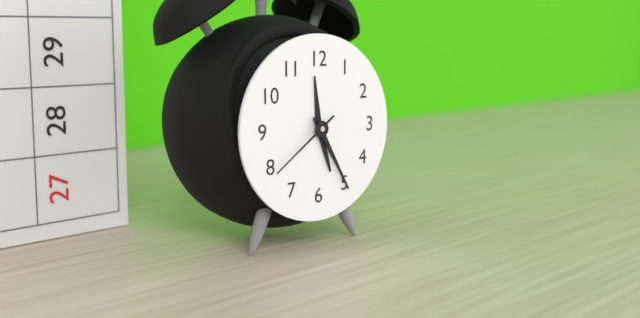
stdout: 5:25:39
